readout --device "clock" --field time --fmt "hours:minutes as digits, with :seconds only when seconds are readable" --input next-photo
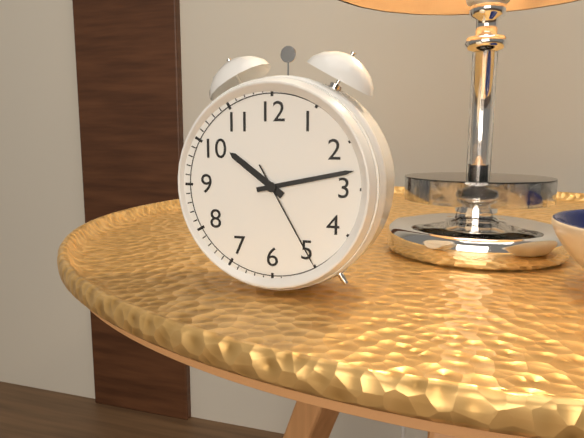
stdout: 10:13:25
